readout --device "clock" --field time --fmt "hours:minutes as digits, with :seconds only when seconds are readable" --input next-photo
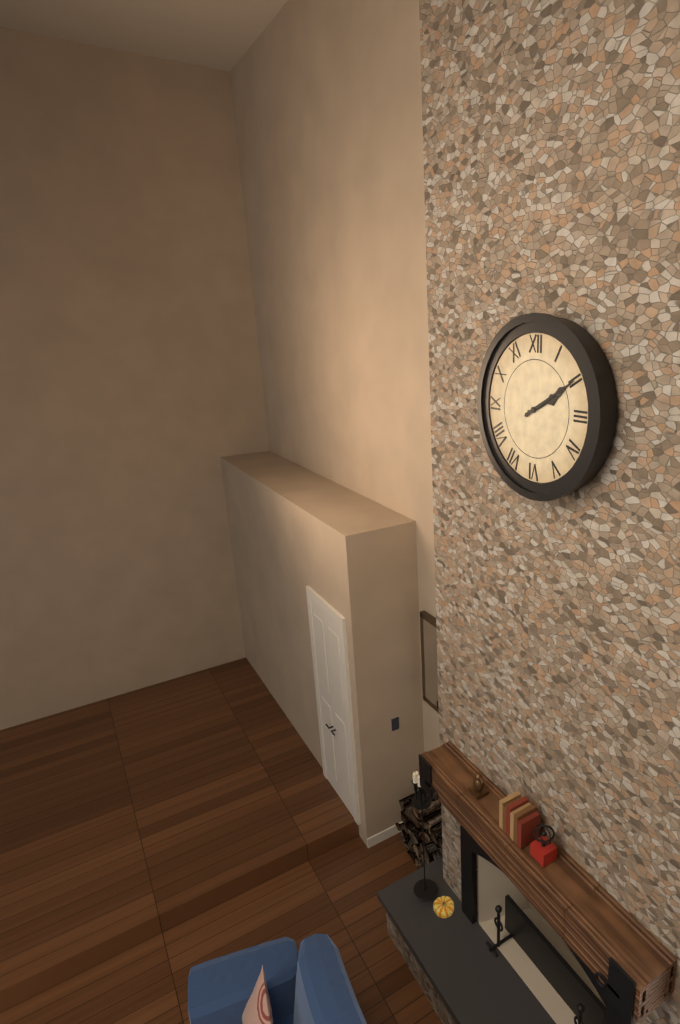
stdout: 2:10
